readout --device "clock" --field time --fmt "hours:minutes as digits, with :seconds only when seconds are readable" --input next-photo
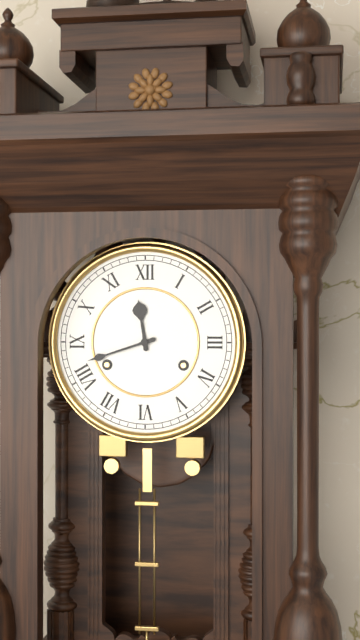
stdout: 11:42
